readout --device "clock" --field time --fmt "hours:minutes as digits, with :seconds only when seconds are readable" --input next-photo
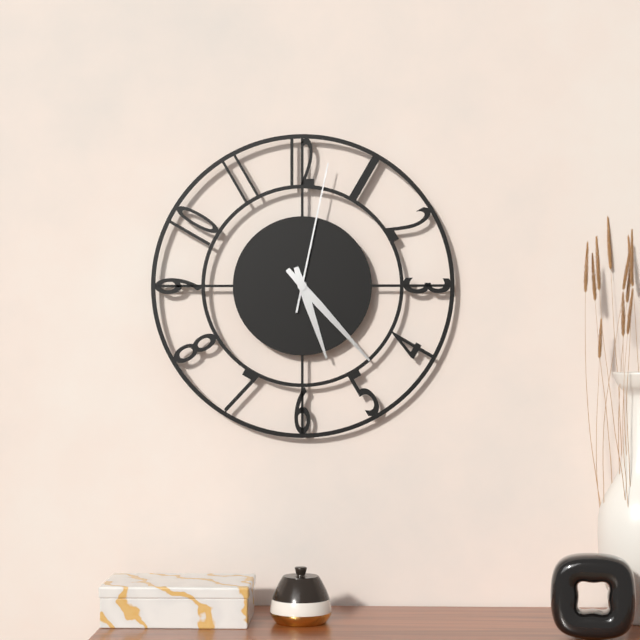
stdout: 5:23:02
